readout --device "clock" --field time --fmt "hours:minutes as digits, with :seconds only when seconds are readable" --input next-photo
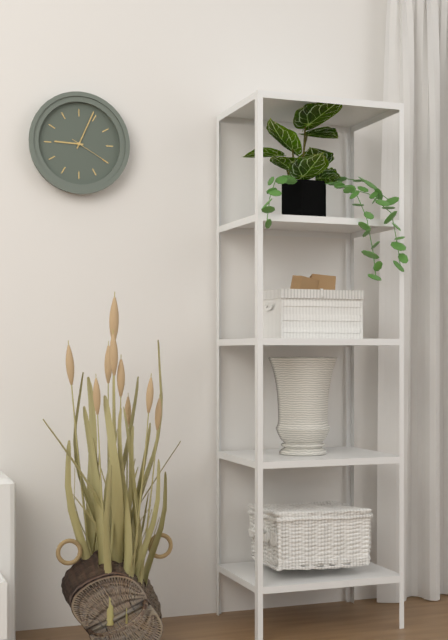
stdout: 9:04
